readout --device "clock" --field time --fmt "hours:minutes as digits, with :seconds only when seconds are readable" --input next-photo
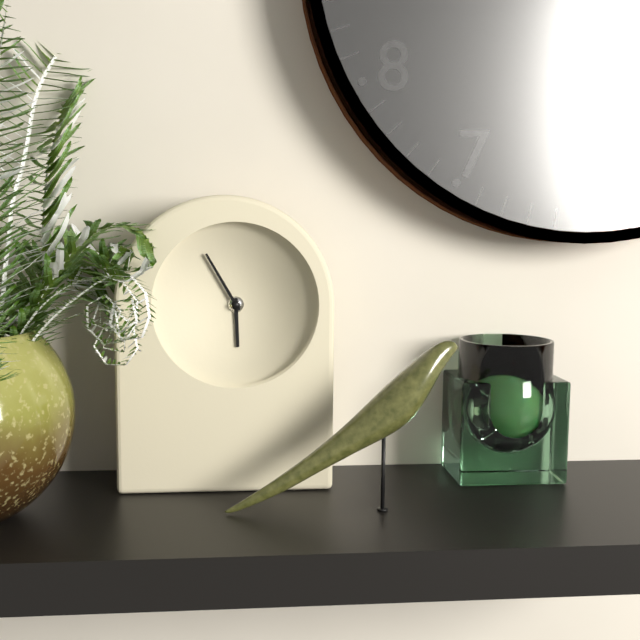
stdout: 5:55
